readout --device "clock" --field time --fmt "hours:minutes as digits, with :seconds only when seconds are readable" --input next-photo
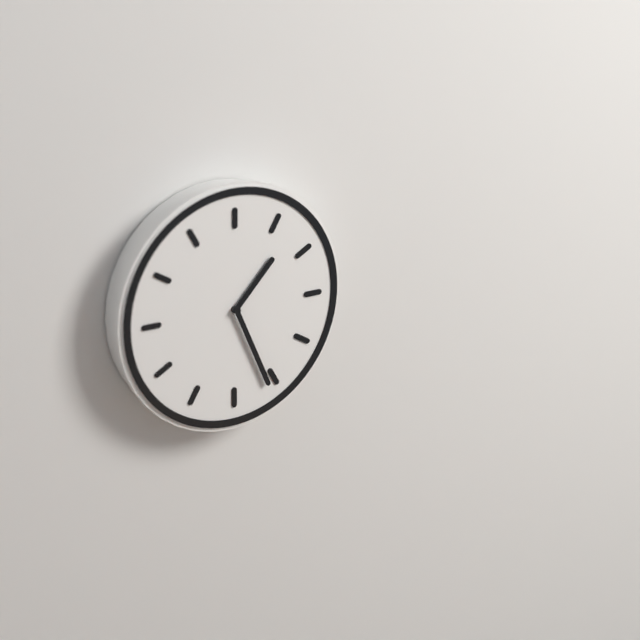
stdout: 1:26
